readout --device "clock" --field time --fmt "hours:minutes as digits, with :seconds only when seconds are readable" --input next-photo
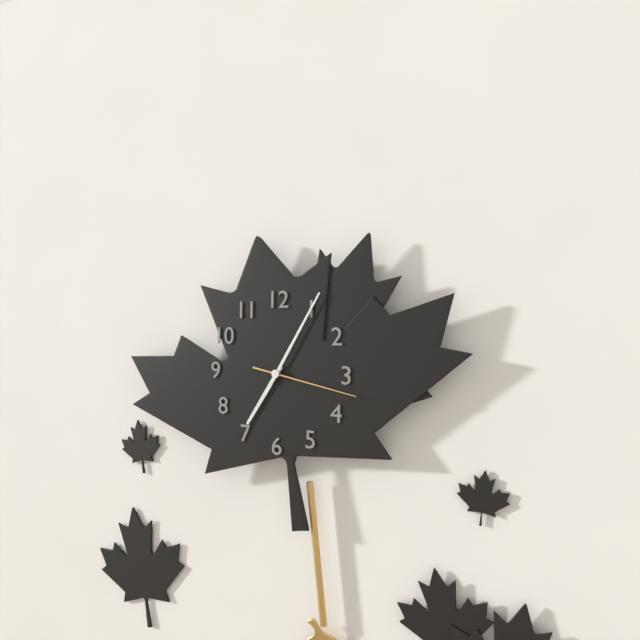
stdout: 7:05:17
